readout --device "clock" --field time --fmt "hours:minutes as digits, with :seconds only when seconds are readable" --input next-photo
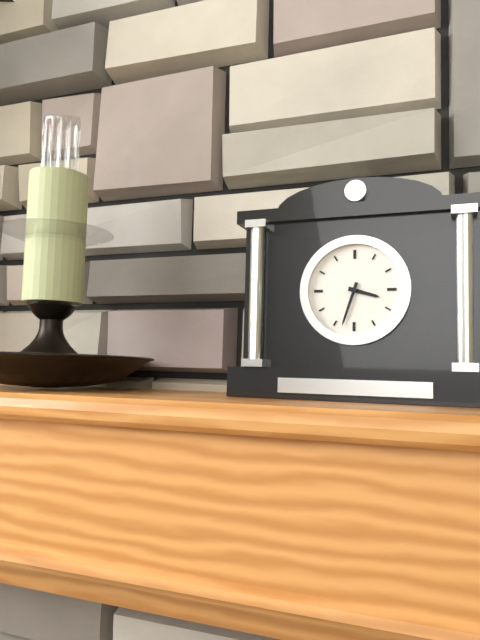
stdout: 3:33
